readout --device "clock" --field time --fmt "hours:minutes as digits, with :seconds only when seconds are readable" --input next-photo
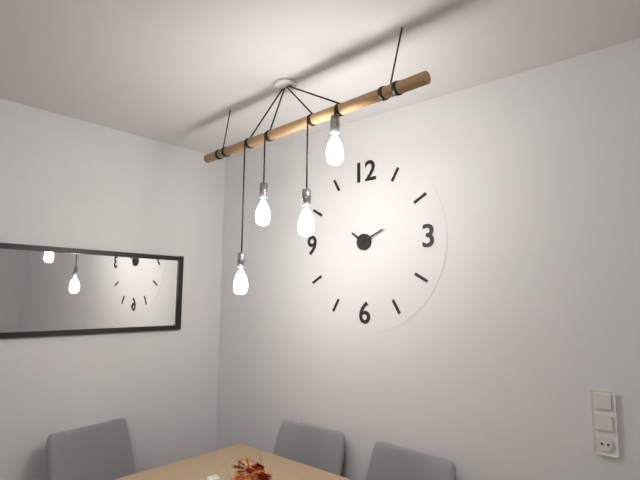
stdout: 10:11
